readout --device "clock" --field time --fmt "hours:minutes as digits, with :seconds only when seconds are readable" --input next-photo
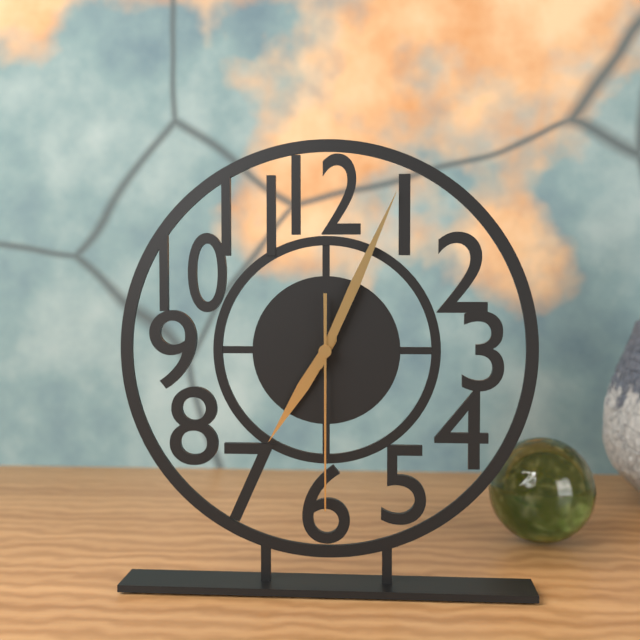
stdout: 7:04:30
